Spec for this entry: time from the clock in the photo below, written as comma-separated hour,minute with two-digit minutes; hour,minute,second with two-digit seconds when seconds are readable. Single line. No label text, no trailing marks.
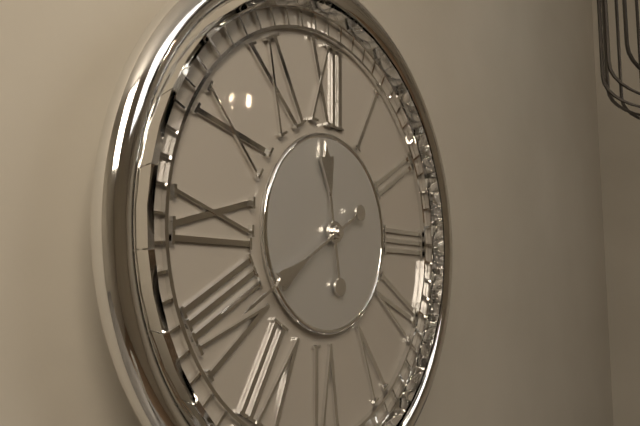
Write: 11,40
